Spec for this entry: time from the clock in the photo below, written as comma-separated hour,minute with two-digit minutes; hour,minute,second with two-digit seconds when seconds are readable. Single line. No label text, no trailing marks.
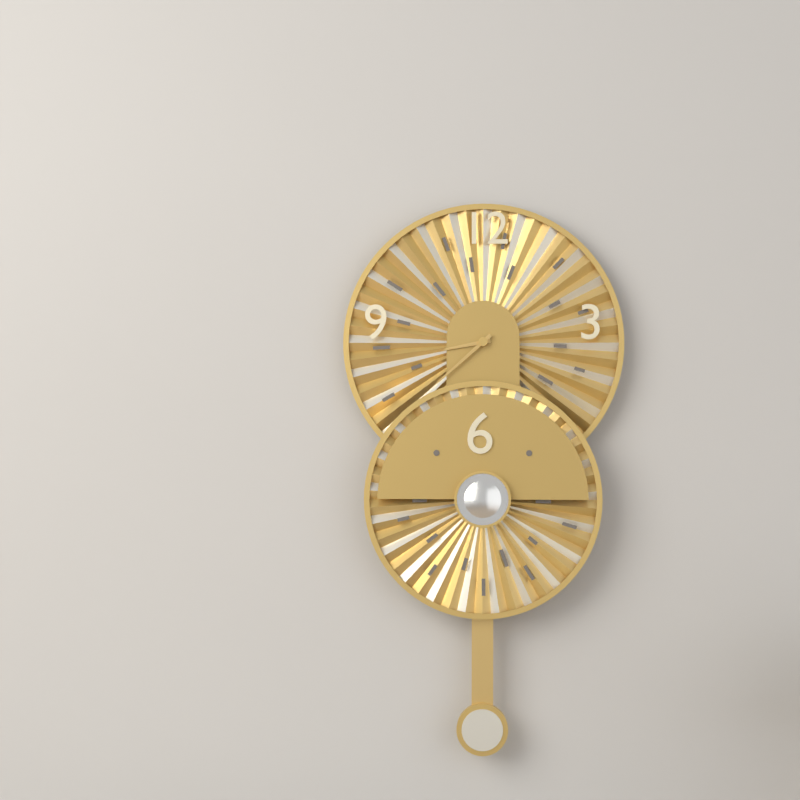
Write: 8,38
